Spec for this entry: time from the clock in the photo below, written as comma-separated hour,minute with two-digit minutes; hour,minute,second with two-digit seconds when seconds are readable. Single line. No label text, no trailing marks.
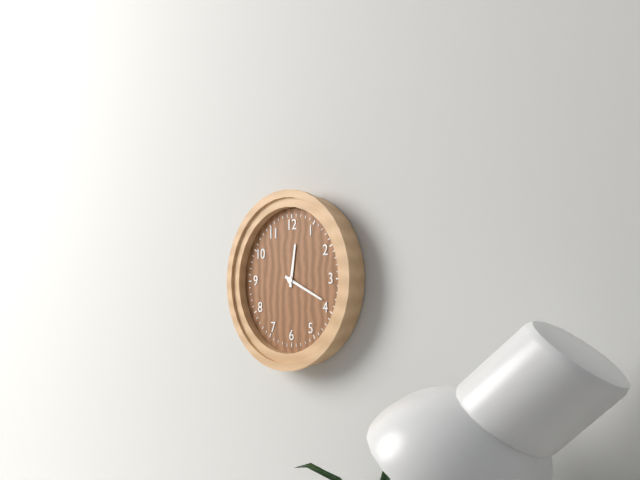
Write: 12,19
